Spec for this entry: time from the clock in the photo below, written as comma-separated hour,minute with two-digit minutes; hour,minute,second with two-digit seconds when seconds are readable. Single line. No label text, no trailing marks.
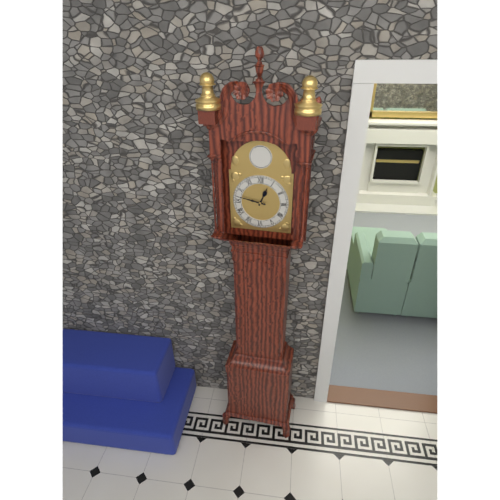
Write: 12,47
